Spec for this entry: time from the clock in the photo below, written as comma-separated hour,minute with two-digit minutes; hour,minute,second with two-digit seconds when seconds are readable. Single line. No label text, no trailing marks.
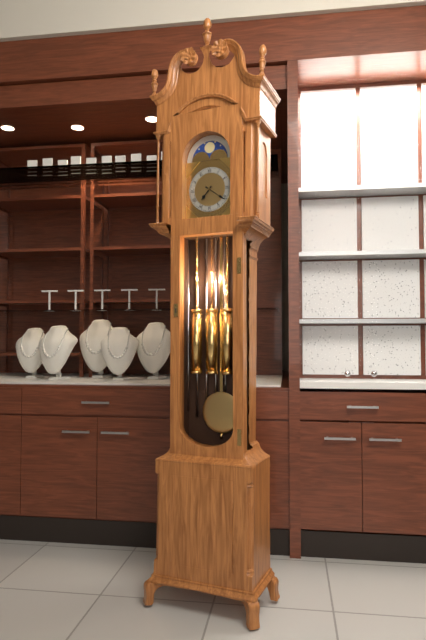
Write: 7,21
